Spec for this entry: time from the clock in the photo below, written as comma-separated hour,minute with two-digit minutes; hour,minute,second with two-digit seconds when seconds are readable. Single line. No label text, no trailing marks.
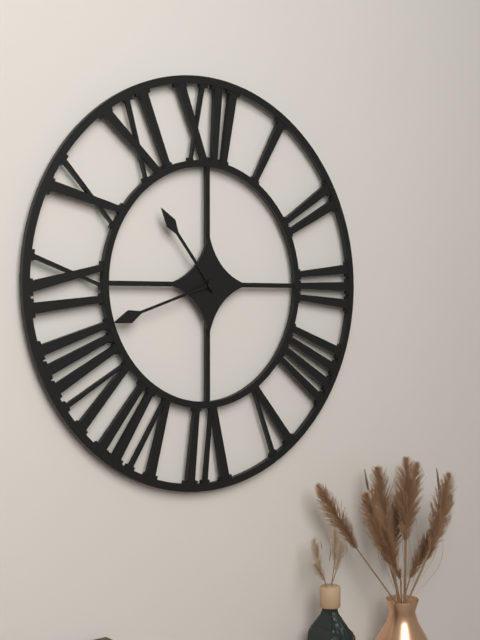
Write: 10,42
